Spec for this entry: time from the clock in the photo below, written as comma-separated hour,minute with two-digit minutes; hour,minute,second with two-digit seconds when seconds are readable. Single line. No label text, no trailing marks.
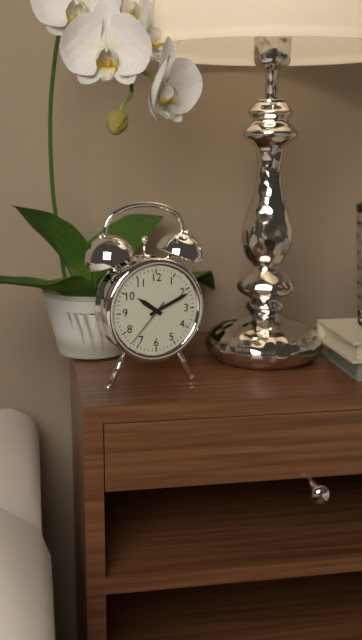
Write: 10,11,37
